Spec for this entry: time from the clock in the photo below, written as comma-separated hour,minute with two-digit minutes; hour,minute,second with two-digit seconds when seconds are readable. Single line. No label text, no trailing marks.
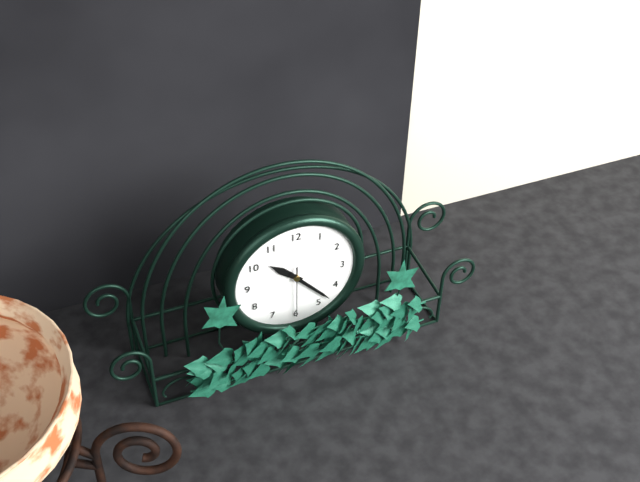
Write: 10,23
